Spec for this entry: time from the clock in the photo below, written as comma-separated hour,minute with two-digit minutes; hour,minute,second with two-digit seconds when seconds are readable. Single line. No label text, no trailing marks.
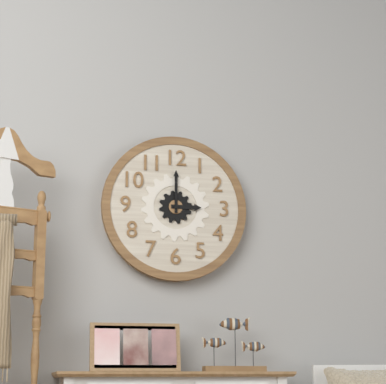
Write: 3,00
